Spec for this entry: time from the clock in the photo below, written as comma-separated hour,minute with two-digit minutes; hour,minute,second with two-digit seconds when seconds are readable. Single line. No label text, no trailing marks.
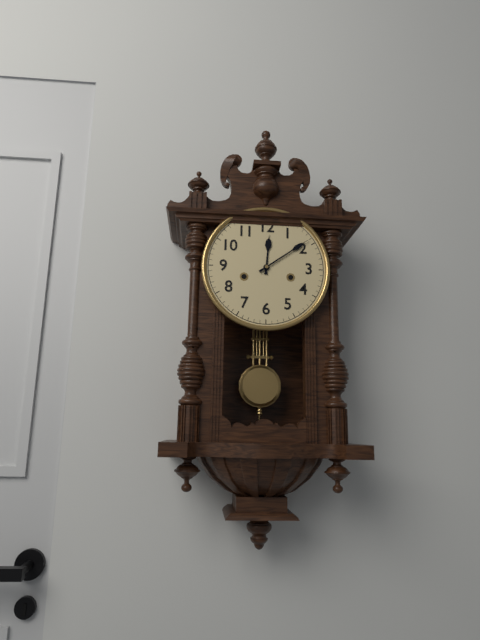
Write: 12,09
